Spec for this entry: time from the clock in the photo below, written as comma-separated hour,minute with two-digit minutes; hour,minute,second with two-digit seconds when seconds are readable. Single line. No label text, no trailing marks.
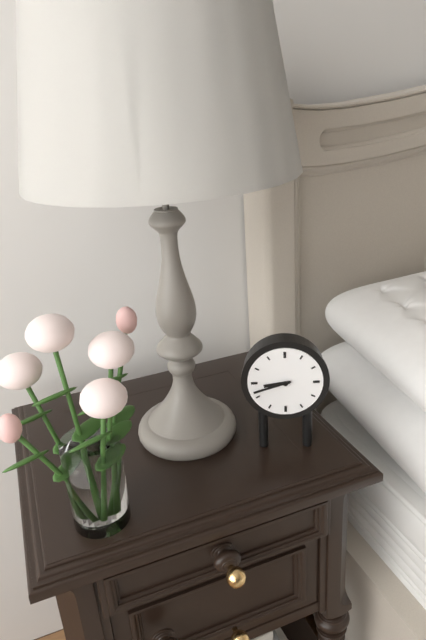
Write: 8,42
